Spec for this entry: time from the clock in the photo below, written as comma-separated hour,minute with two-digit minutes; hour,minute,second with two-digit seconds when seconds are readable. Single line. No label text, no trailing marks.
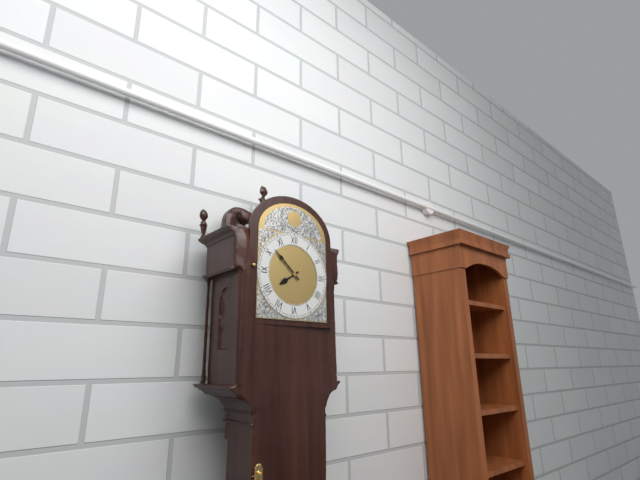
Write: 7,52
